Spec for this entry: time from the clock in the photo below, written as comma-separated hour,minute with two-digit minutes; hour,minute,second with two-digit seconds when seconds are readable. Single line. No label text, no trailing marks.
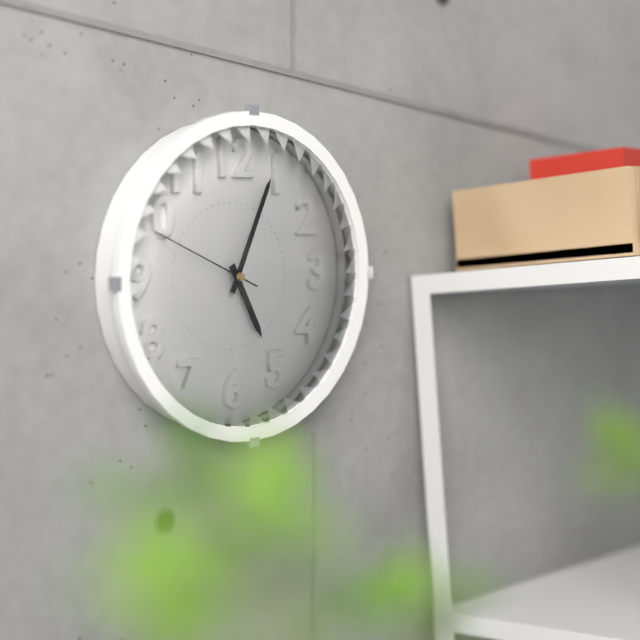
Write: 5,04,49
